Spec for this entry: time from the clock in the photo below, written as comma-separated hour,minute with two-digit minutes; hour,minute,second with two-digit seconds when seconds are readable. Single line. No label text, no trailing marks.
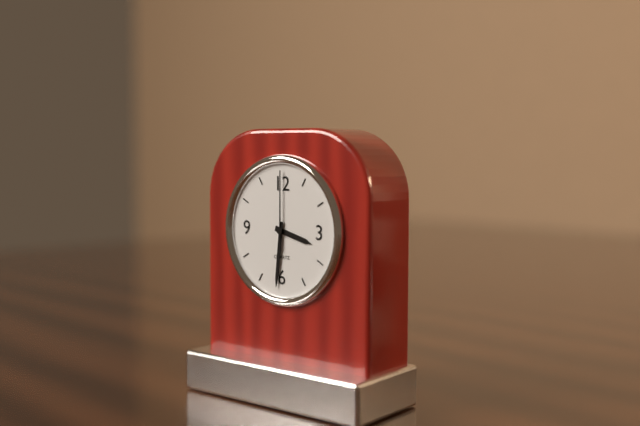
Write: 3,31,00
